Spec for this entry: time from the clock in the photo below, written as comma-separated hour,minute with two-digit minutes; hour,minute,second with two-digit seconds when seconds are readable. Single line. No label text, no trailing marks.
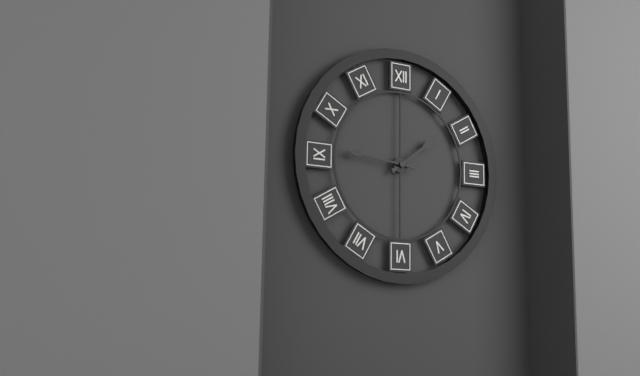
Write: 1,46
